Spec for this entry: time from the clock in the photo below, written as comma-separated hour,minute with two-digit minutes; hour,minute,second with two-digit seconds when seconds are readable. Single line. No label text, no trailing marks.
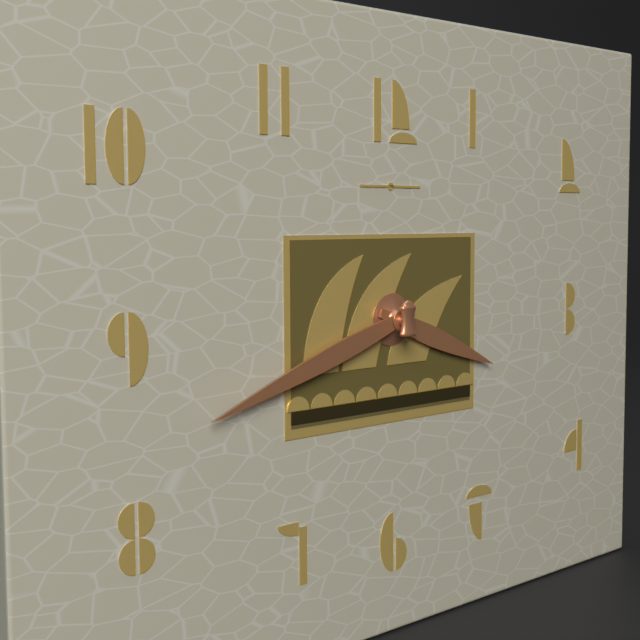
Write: 3,42
